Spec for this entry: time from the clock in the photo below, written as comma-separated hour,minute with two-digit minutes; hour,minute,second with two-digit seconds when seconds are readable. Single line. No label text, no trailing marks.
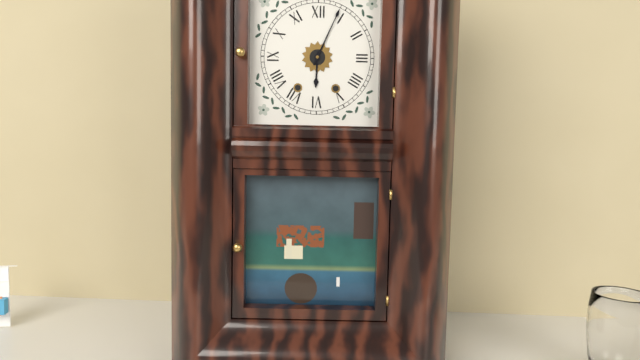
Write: 6,04
